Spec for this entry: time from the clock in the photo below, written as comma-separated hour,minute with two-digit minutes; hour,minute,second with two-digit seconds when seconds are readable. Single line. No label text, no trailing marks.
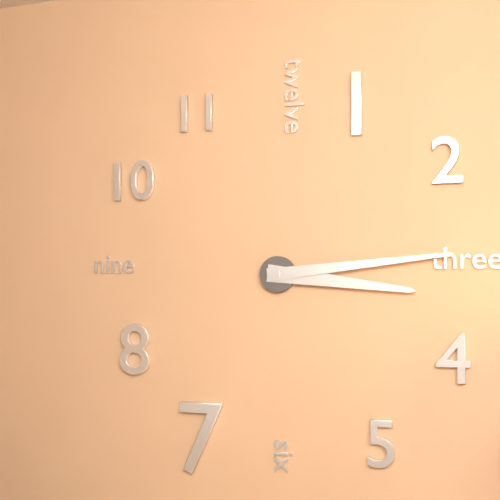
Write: 3,14
